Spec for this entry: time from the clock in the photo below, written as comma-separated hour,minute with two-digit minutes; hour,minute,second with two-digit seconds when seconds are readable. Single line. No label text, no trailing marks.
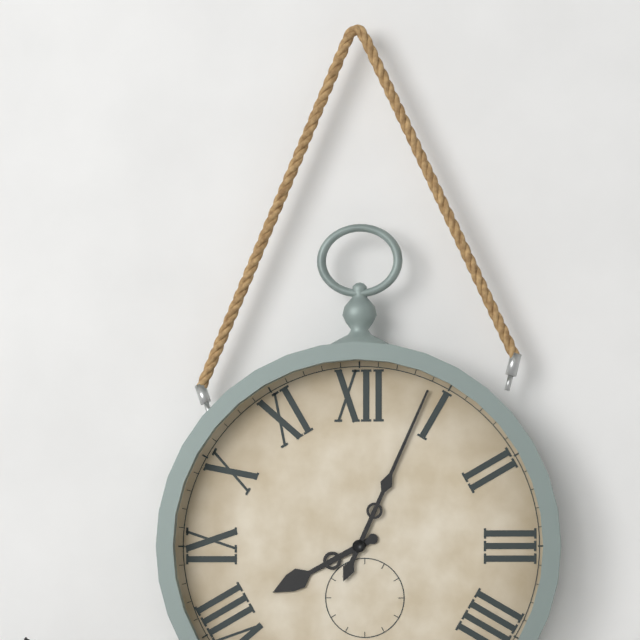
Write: 8,04
